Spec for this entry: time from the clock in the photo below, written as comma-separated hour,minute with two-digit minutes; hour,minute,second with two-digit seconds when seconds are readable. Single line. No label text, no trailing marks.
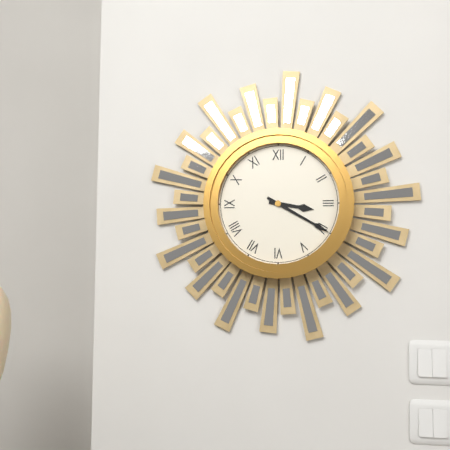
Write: 3,20
